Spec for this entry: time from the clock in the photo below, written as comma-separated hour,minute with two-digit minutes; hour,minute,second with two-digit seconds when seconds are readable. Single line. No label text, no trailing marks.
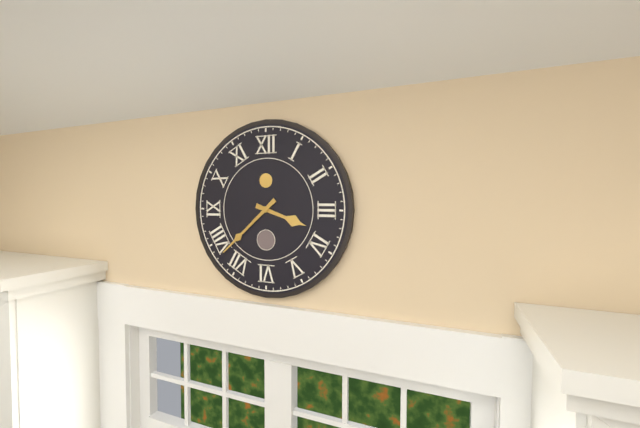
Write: 3,38
